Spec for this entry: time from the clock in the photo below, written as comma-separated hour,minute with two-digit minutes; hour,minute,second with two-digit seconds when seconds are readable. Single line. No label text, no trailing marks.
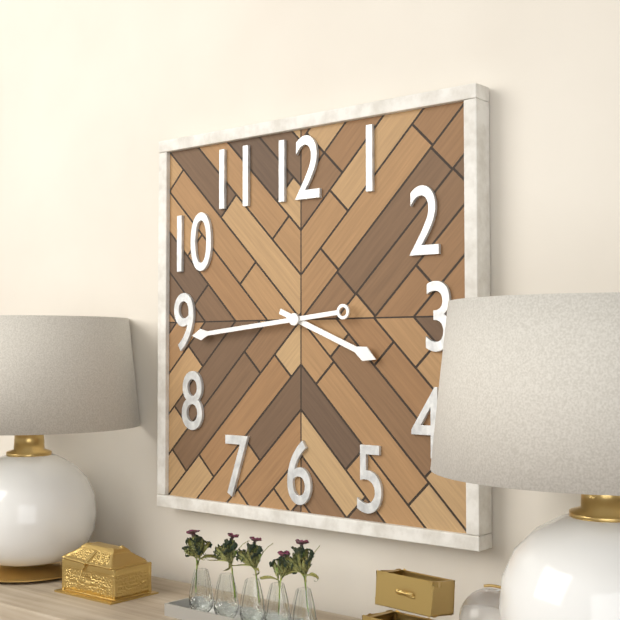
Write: 3,44
